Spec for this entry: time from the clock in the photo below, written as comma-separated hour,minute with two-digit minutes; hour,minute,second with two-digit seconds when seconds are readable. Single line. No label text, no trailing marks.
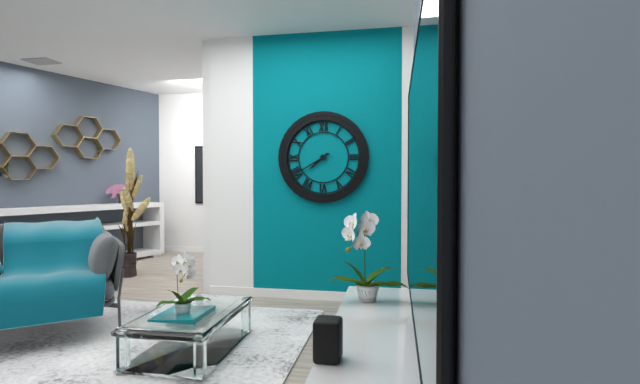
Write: 7,40
